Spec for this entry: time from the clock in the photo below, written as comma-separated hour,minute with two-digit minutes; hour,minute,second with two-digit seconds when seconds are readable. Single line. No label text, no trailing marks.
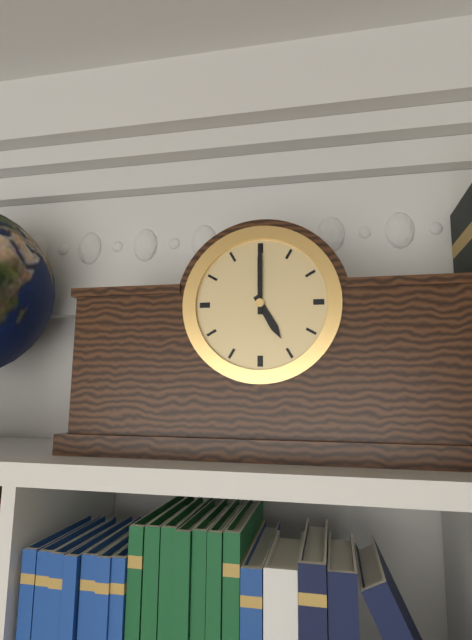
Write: 5,00
